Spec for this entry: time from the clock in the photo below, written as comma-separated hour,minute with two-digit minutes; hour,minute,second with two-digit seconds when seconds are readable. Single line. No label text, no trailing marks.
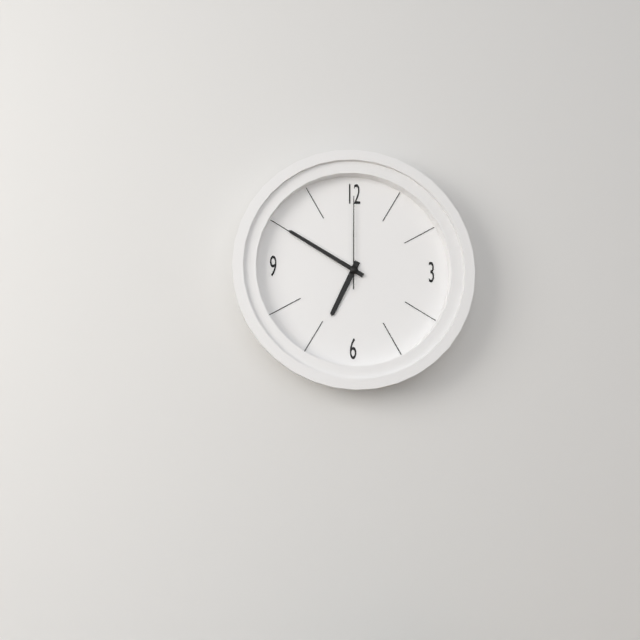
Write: 6,50,00
